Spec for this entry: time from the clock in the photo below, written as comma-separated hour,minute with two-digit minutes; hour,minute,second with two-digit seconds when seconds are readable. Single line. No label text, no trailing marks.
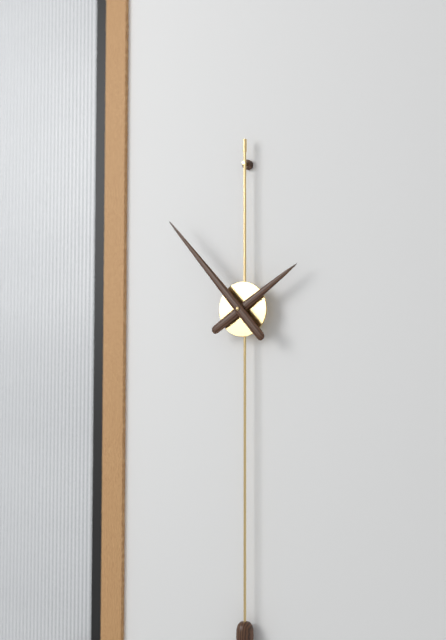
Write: 1,53
